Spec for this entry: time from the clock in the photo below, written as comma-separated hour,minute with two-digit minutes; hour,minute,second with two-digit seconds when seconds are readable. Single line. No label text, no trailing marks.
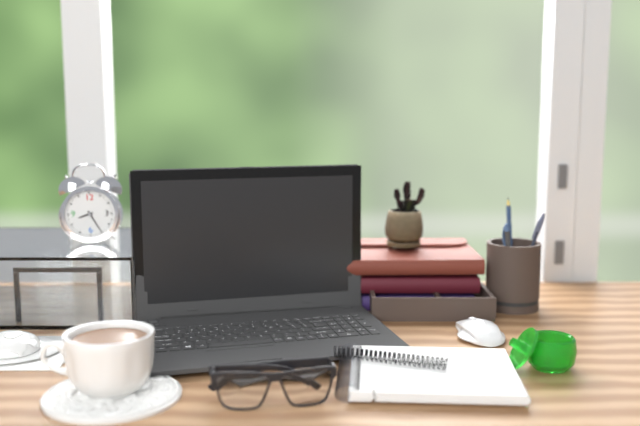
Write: 8,25
